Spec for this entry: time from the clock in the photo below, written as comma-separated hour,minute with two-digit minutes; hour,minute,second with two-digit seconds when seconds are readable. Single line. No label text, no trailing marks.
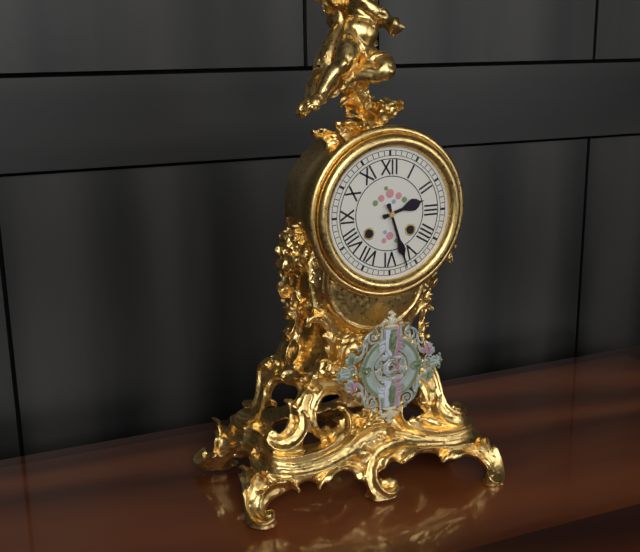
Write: 2,27
